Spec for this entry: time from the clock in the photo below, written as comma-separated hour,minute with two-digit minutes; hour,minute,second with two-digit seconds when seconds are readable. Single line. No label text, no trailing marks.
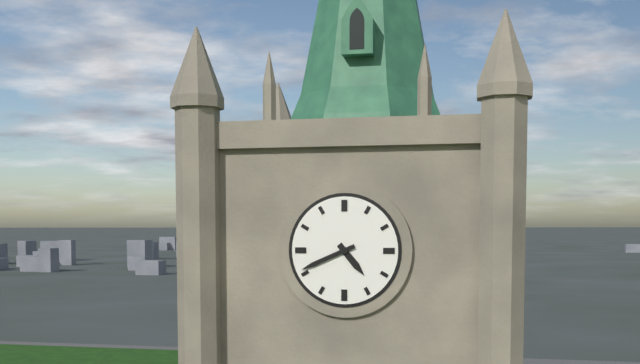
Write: 4,41
